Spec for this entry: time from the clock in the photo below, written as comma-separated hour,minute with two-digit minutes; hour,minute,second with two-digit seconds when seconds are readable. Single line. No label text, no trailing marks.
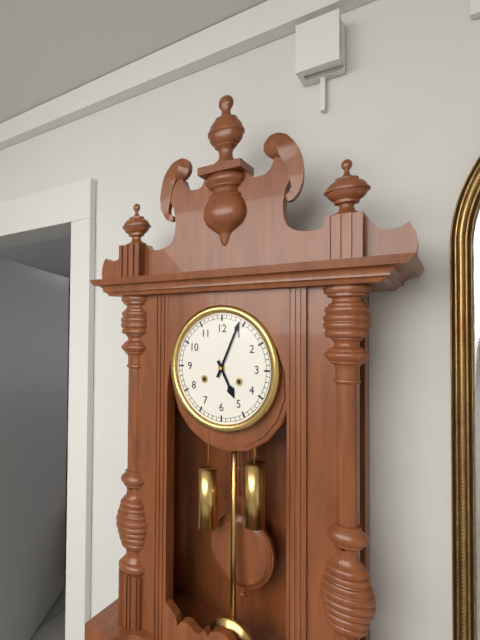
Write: 5,04
